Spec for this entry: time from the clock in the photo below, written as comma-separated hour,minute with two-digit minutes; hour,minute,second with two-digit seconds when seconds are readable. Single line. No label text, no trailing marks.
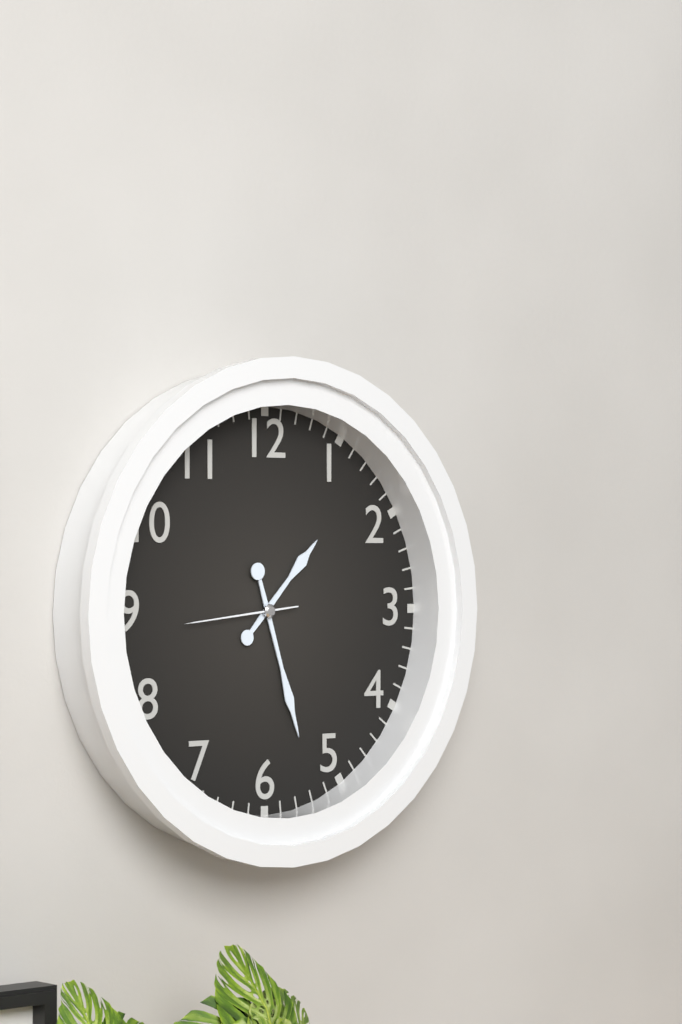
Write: 1,27,44
